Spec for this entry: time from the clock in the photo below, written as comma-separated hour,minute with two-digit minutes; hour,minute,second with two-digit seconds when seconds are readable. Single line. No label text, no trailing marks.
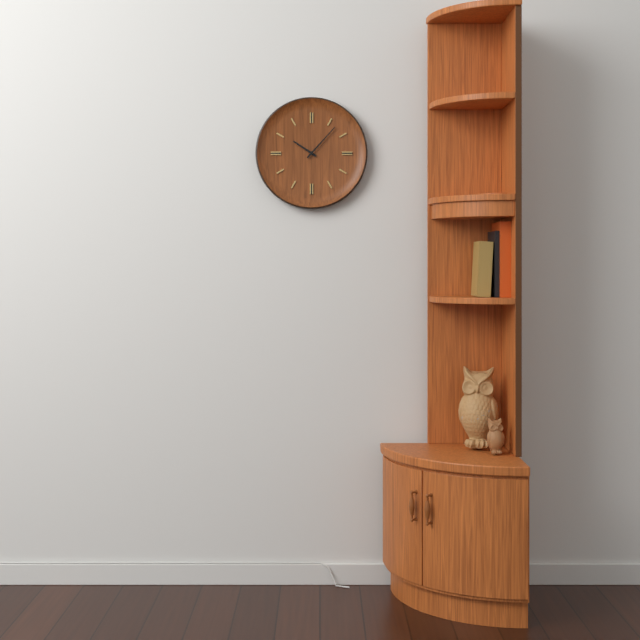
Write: 10,07
